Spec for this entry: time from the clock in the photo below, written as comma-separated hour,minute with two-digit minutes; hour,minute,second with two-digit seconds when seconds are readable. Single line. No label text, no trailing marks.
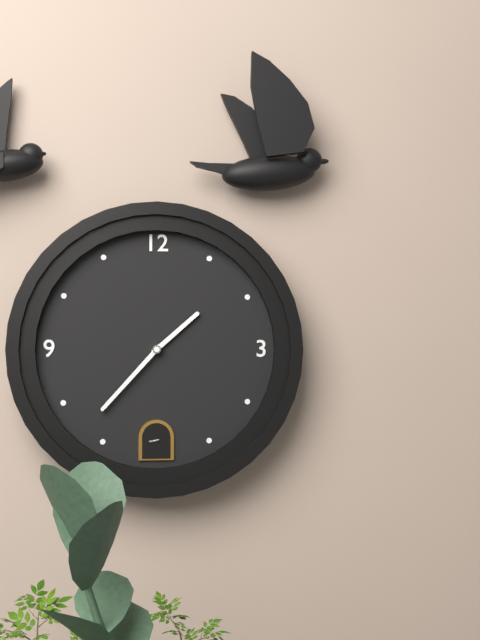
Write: 1,37
